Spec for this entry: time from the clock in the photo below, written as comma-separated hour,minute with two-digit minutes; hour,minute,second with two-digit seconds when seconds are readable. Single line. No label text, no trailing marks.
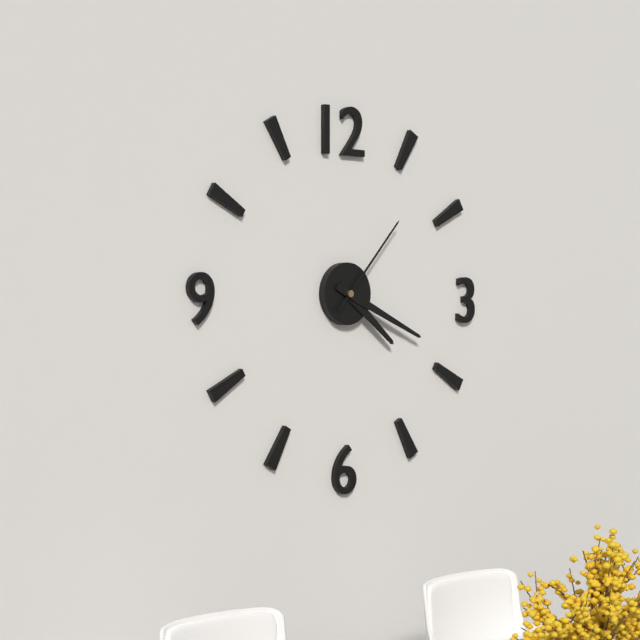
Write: 4,19,07
